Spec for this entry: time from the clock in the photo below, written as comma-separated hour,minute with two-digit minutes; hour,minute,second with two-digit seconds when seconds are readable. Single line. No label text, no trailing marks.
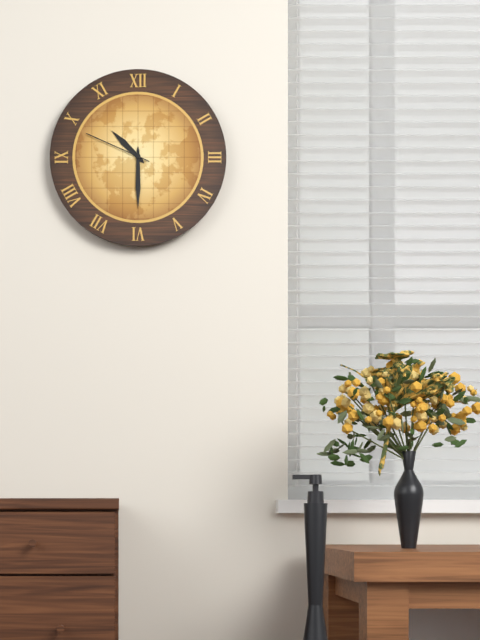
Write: 10,30,49
